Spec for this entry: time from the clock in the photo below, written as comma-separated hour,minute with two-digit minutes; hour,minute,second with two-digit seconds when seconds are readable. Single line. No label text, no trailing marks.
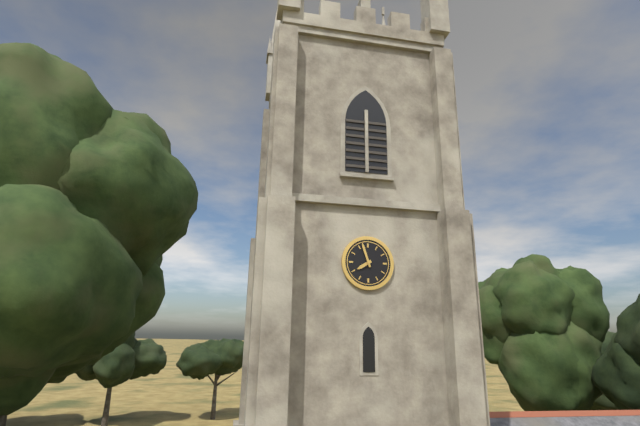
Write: 7,57
